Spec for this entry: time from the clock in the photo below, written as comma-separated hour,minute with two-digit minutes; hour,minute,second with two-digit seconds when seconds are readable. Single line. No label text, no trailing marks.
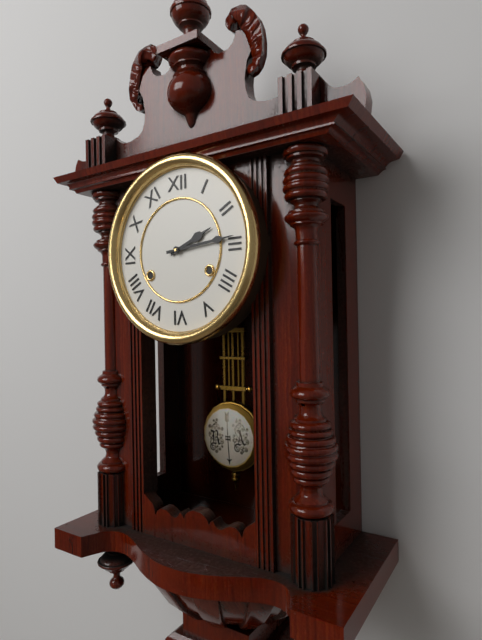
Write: 2,14
